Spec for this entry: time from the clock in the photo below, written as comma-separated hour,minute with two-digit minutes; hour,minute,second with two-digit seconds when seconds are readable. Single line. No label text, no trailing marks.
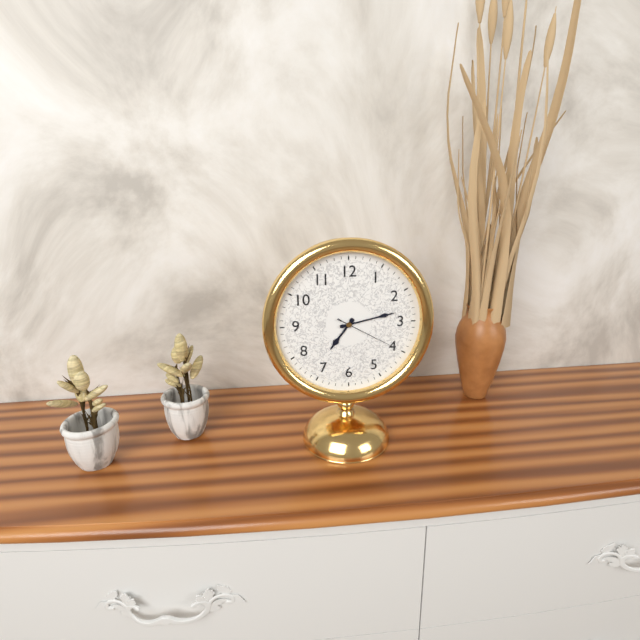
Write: 7,13,20
